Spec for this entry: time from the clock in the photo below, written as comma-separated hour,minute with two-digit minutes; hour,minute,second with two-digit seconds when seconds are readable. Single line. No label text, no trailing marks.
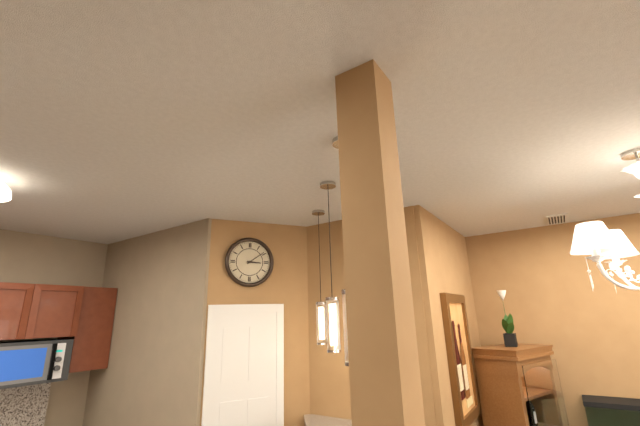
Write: 3,09
